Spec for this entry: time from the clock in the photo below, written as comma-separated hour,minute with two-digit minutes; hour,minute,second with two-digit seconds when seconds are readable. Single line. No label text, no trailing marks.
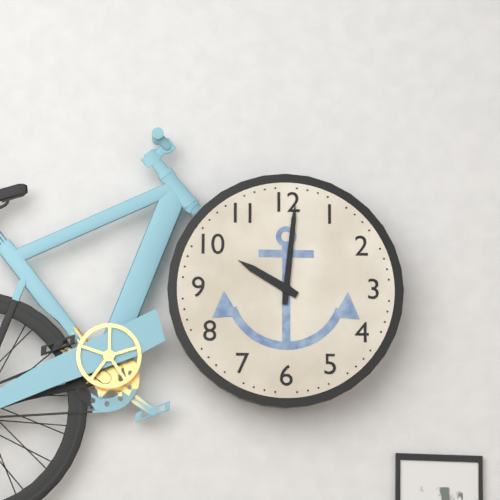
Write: 10,01
